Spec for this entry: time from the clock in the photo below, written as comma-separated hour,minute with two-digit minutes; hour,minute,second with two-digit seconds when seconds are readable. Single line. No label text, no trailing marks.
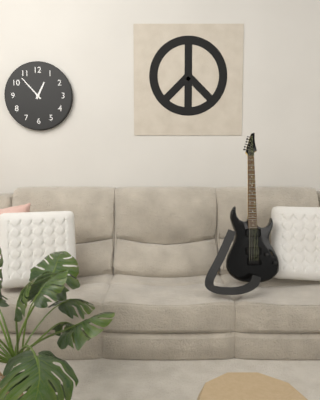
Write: 12,53
